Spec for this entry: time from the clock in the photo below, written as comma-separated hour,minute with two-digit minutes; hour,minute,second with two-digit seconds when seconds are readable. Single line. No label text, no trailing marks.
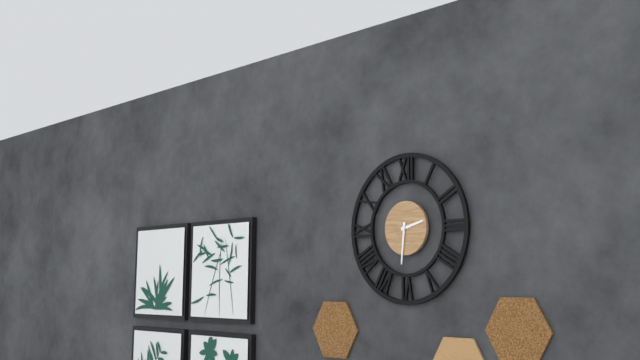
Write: 2,31
